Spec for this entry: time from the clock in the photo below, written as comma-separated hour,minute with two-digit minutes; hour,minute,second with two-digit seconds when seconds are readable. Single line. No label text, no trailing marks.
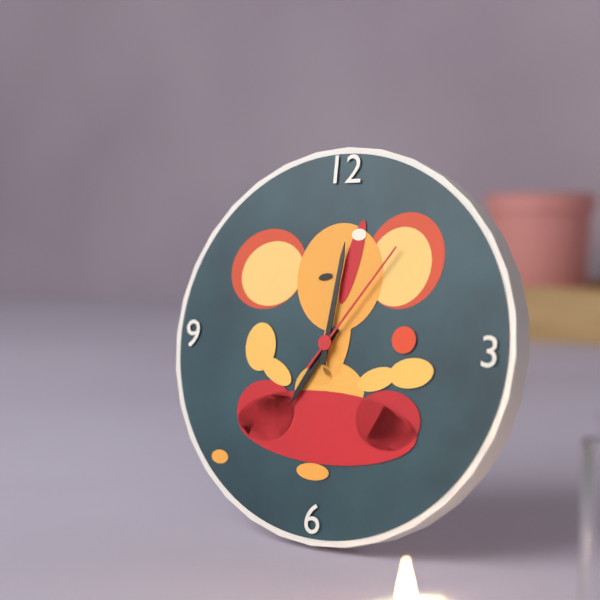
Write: 7,01,06
